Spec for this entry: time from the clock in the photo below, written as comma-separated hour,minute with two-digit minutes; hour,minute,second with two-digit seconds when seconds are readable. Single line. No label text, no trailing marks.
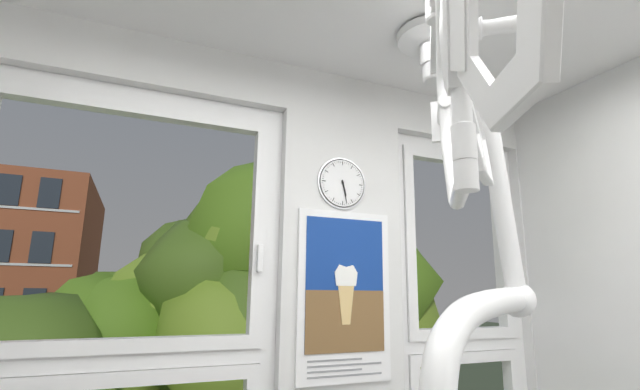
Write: 5,28
